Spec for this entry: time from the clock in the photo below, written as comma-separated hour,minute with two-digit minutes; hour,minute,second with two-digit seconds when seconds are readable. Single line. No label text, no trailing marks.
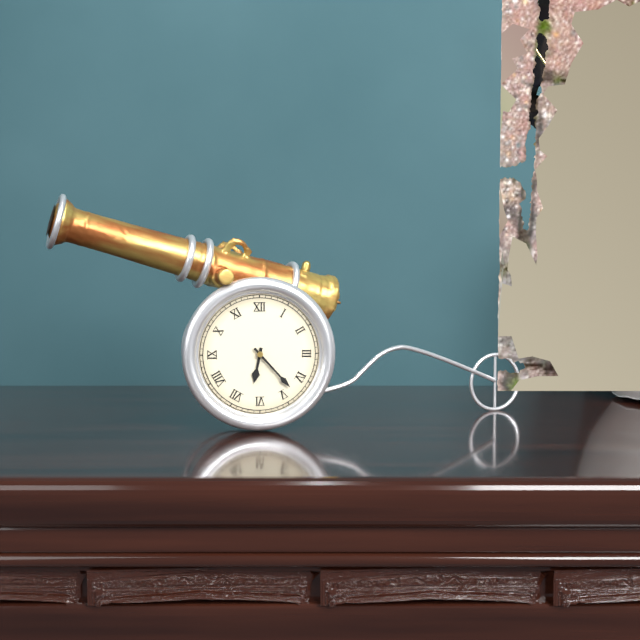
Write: 6,23
